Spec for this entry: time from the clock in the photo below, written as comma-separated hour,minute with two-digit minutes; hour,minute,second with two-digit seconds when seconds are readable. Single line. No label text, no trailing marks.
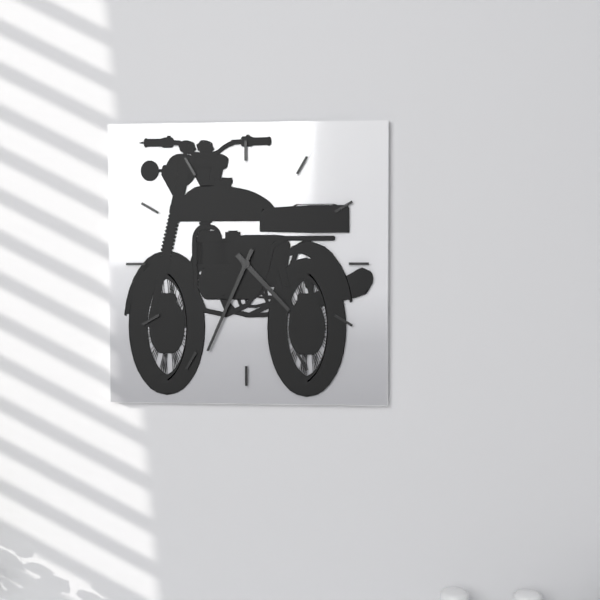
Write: 4,34
